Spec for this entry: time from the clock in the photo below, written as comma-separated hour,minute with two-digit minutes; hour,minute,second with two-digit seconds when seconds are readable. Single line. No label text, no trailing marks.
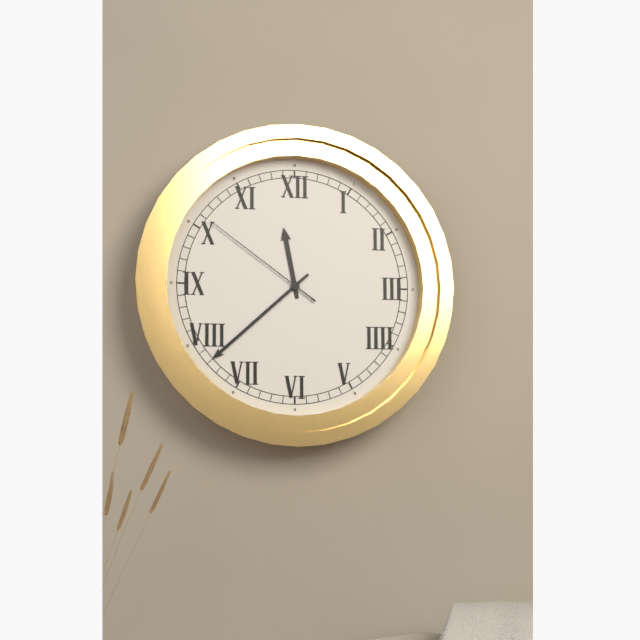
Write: 11,38,51
